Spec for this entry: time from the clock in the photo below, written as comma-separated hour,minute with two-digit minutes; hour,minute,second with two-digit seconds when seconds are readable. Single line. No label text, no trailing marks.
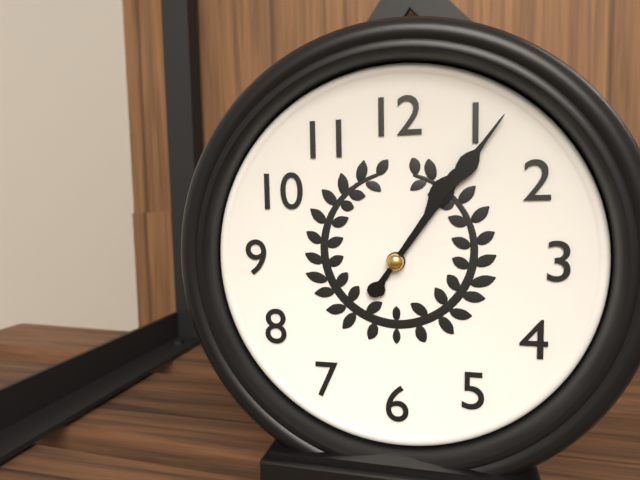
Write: 1,06
